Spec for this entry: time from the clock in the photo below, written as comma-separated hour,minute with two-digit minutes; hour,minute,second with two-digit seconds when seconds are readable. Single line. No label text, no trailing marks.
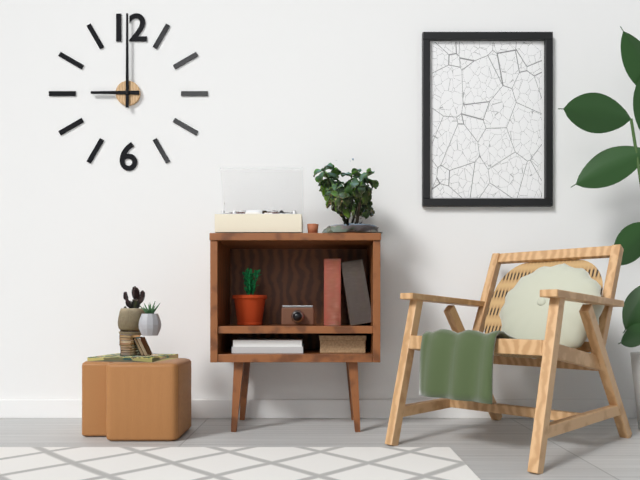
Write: 9,00
